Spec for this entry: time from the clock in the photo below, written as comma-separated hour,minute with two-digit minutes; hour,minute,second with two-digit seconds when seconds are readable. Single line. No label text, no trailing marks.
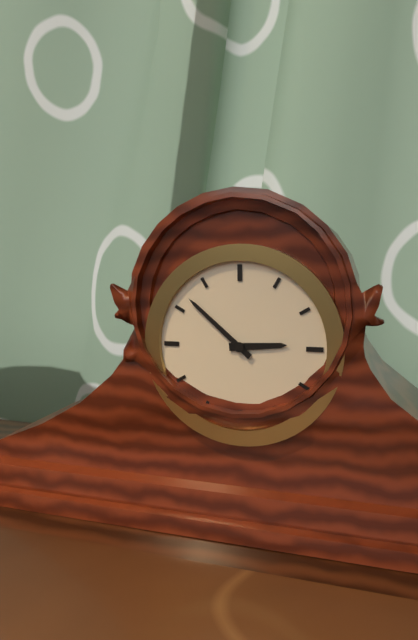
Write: 2,52
